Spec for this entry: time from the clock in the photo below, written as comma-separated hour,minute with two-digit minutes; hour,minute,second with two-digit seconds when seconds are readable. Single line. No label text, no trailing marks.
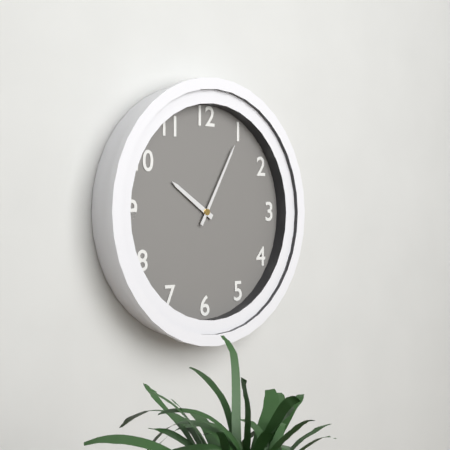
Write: 10,05
